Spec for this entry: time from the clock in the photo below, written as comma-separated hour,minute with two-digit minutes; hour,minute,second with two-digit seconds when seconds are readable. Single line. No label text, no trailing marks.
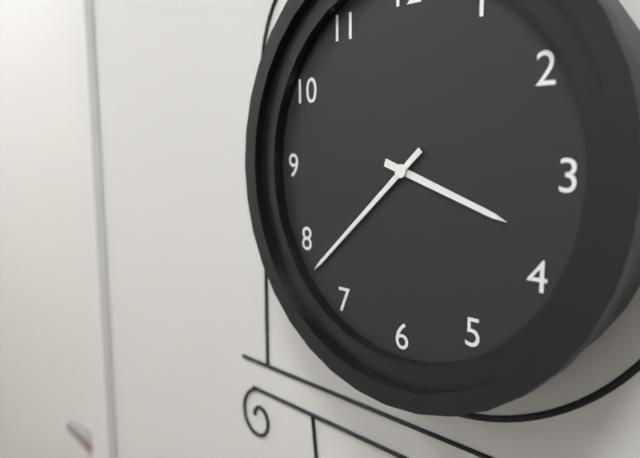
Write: 3,38
